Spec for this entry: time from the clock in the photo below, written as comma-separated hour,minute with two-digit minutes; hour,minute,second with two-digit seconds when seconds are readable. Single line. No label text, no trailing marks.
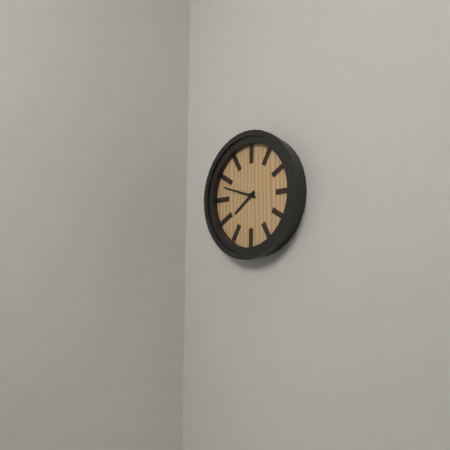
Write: 7,48
